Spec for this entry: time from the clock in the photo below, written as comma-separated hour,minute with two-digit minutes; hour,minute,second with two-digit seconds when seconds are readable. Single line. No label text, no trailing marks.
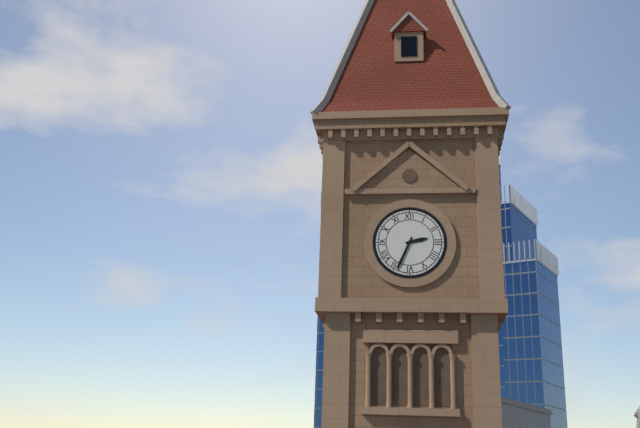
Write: 2,34
